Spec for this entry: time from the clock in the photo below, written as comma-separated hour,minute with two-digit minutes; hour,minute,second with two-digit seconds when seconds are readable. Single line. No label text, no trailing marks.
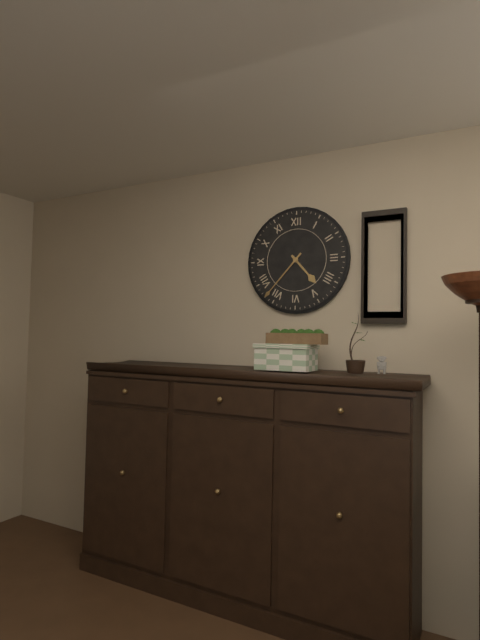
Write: 4,37
